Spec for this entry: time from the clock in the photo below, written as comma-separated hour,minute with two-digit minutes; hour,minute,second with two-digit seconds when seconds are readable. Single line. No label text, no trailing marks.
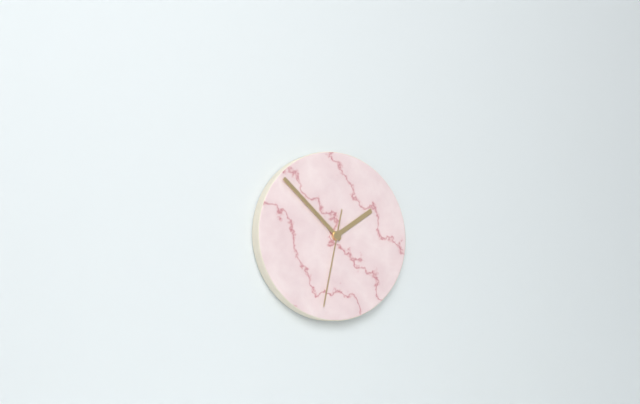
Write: 1,52,32
